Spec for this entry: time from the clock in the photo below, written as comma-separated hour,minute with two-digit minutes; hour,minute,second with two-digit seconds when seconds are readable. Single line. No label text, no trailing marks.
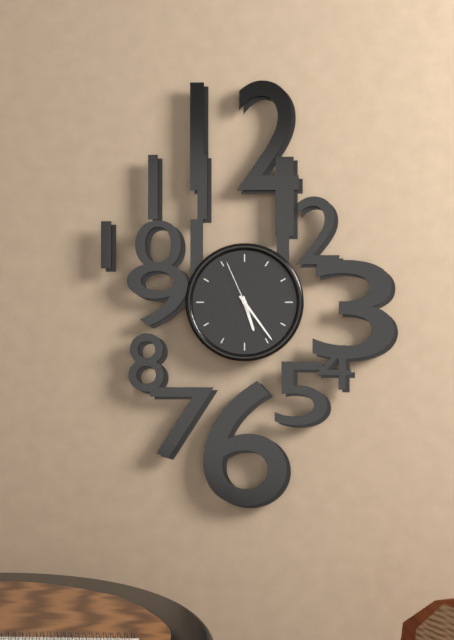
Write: 5,24,56
